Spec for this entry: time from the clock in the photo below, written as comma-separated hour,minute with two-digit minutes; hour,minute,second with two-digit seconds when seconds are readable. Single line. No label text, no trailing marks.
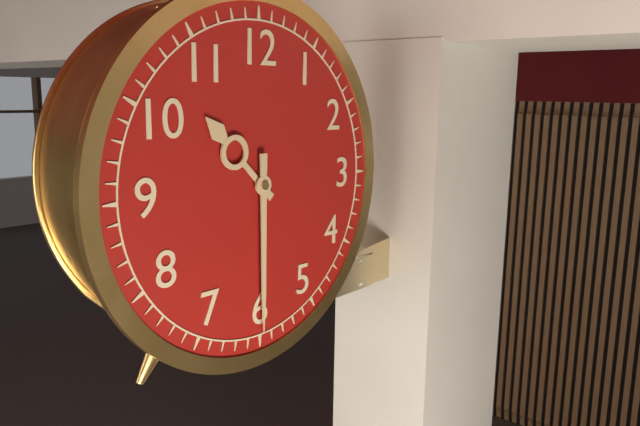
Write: 10,30
